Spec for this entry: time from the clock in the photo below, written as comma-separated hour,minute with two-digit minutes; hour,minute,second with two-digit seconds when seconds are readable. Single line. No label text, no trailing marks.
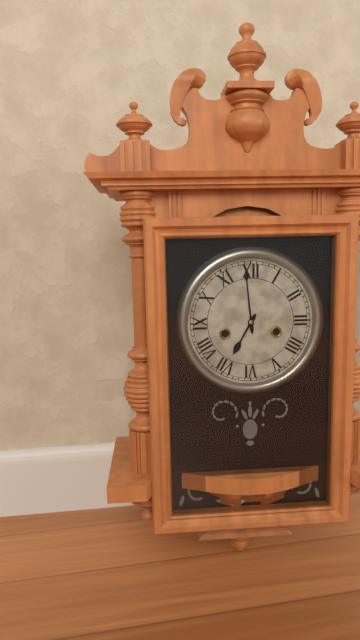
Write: 6,59
